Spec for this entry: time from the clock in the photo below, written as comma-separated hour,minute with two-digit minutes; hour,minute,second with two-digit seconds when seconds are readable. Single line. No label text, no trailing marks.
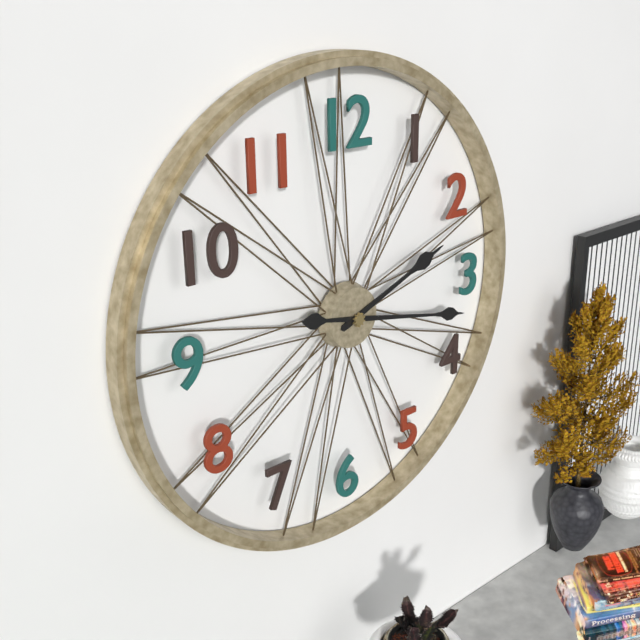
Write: 2,17
